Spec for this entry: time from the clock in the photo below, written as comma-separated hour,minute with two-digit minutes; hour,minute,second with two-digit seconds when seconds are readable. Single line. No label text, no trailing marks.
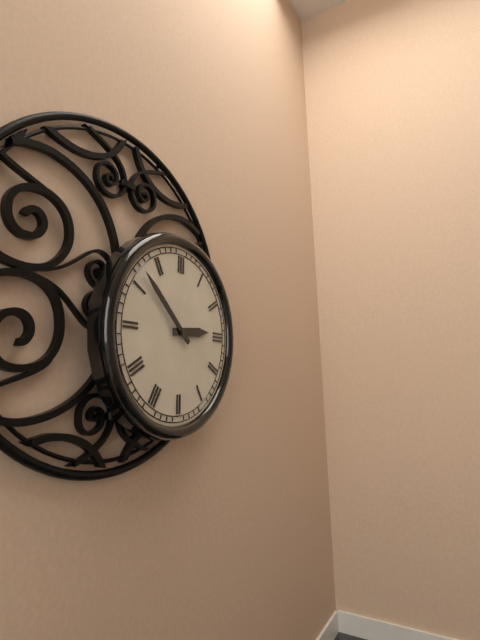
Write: 2,52
